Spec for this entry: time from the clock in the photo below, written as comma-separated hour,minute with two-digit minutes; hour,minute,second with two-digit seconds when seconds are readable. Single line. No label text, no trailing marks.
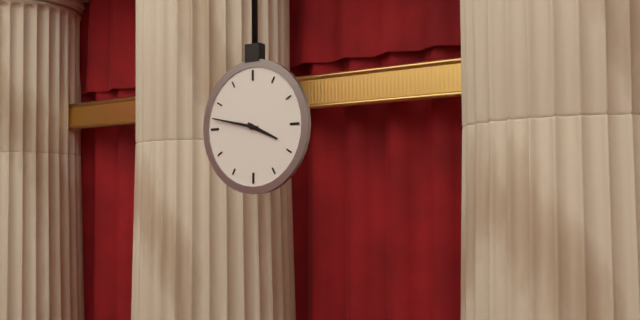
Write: 3,47
